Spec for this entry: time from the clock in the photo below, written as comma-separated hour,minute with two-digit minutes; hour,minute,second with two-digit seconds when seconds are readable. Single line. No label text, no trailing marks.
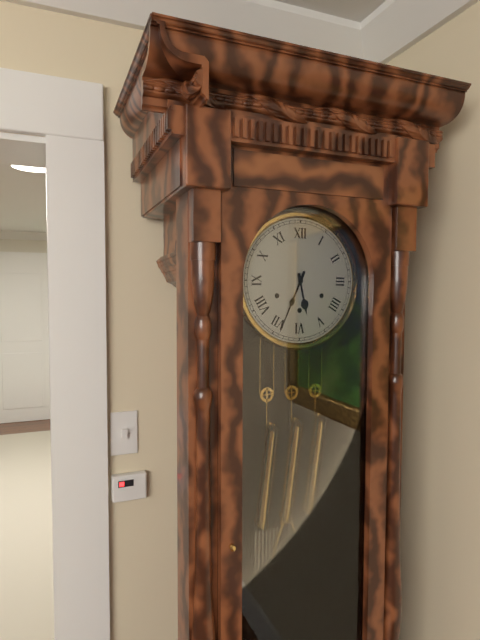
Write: 5,34
